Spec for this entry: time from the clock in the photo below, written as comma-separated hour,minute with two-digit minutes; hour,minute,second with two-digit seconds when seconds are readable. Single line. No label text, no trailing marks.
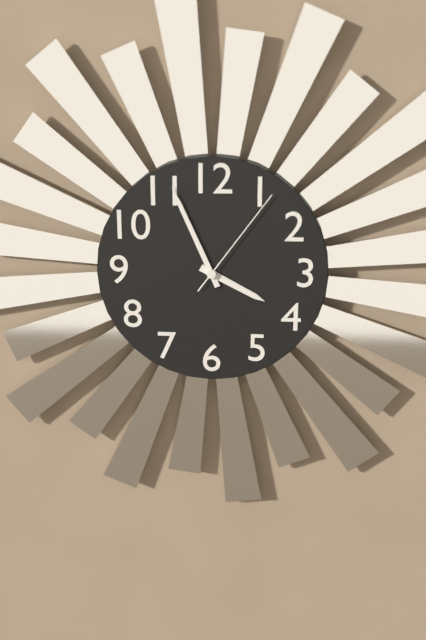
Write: 3,56,06
